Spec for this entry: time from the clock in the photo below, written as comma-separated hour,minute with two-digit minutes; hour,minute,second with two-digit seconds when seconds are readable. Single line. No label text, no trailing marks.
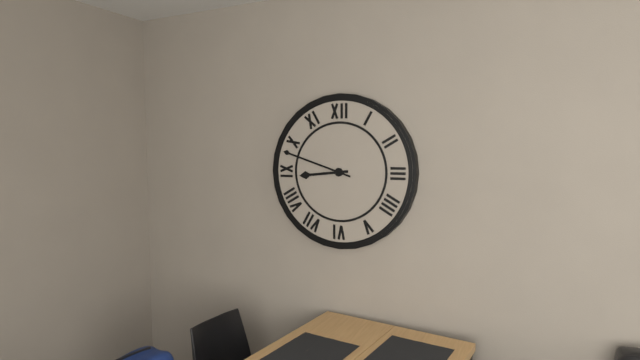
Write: 8,48
